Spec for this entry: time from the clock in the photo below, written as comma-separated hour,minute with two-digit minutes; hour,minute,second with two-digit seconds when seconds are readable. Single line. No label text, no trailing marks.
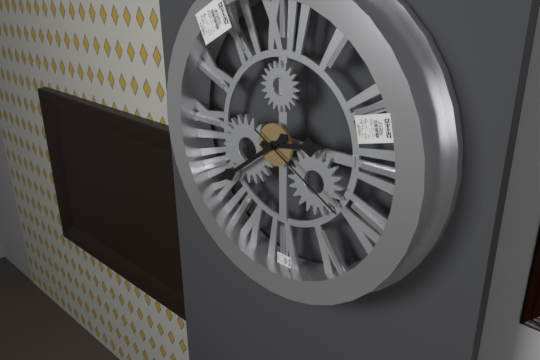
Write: 2,39,20
